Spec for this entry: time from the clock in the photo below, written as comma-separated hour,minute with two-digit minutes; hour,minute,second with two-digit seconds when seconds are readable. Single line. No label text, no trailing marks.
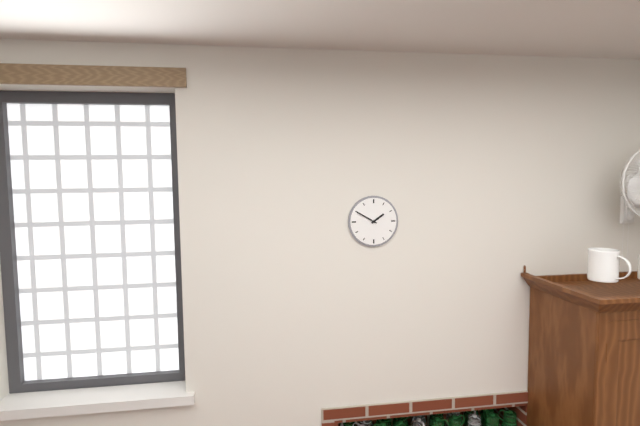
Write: 1,50
